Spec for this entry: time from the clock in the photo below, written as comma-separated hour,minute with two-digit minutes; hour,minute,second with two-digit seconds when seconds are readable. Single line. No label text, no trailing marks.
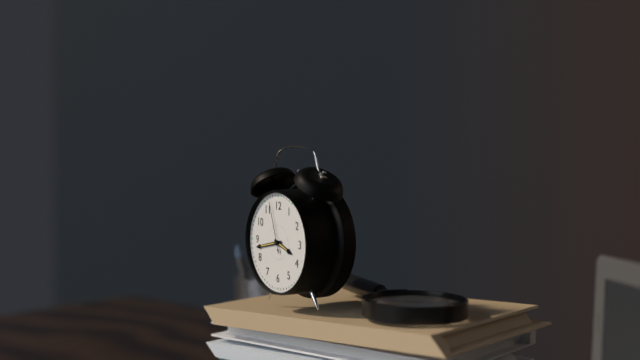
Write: 3,43,57
